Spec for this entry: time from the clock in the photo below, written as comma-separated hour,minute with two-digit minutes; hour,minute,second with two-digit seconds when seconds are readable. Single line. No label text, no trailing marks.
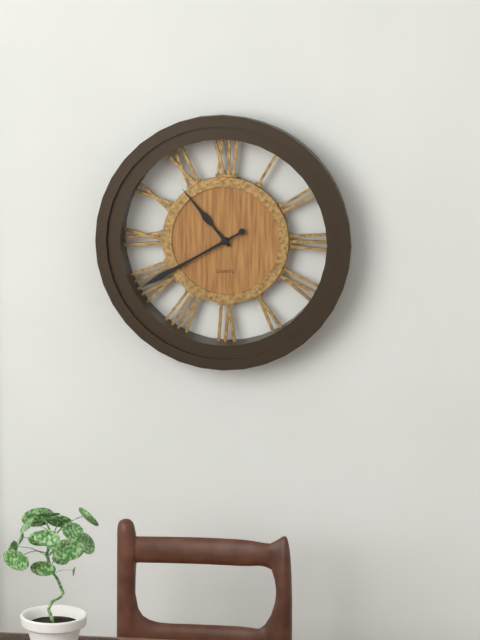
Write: 10,40
